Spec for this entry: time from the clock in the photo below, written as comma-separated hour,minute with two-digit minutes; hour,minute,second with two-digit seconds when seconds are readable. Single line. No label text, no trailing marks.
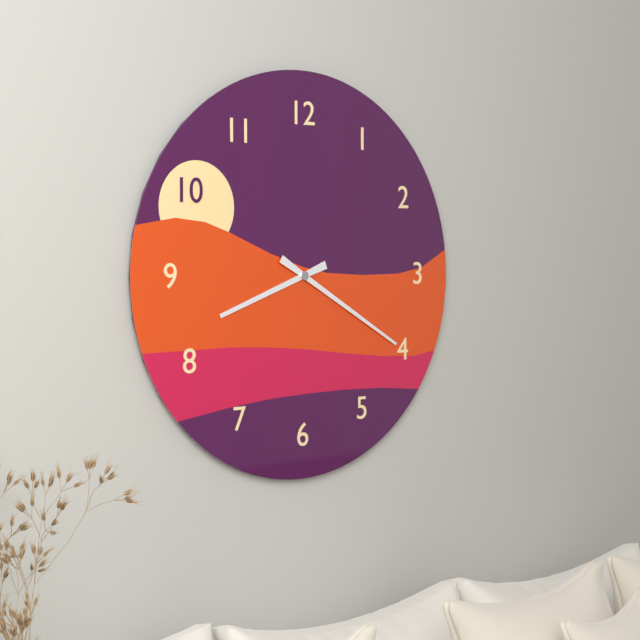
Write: 8,20
